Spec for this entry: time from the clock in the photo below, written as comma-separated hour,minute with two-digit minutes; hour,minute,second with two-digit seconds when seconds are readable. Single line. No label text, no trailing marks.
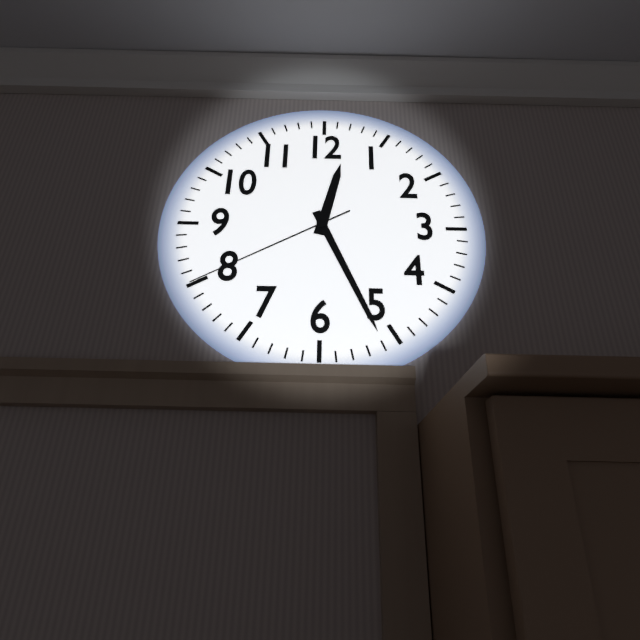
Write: 12,26,40
